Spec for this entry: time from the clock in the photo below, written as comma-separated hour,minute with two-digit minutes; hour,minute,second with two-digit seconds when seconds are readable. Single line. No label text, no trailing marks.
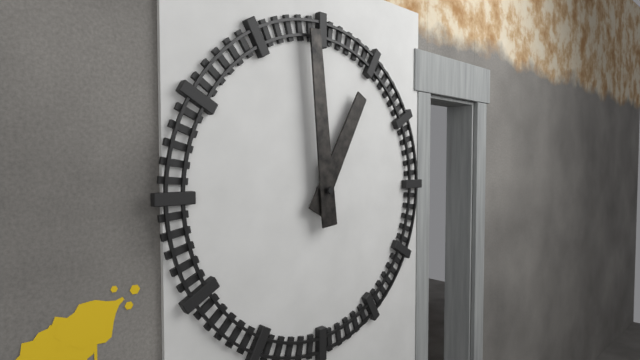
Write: 12,59
